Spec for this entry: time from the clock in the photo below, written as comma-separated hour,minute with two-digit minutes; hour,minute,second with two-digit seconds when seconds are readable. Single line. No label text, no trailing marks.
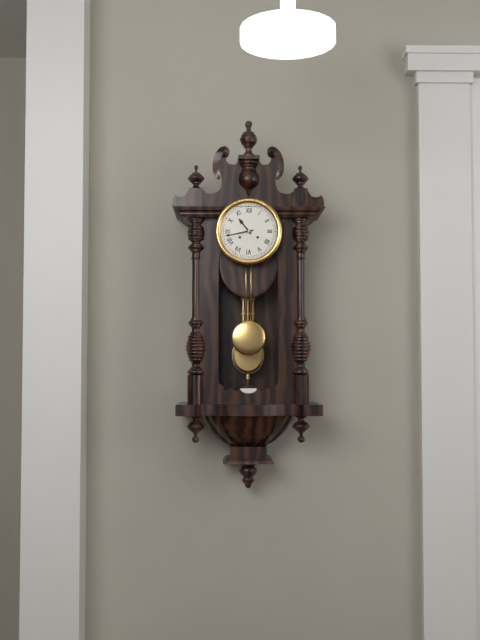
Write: 10,43
